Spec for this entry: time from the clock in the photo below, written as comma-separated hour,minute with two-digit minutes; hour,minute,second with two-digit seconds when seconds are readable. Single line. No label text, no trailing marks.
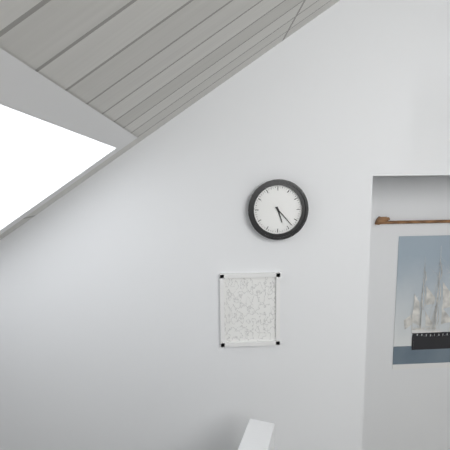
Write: 5,23
